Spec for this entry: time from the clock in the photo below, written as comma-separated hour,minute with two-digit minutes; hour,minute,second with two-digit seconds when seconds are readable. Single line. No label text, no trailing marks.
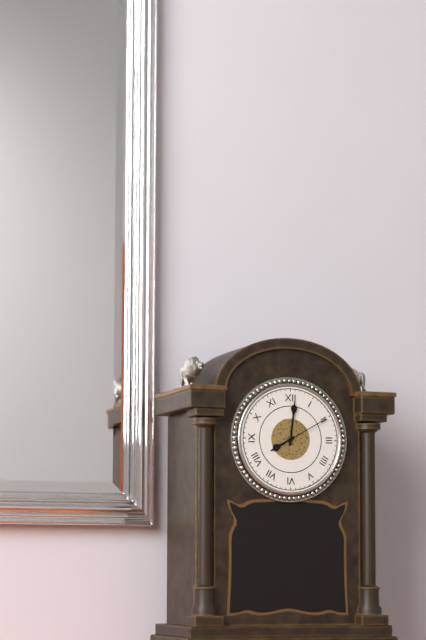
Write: 8,01,10
